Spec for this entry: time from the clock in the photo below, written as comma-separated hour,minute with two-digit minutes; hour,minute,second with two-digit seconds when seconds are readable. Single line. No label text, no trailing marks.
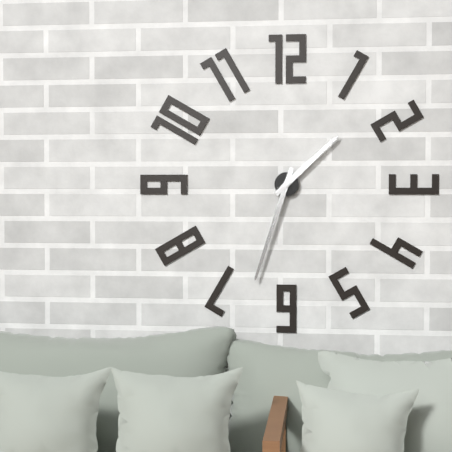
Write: 1,33
